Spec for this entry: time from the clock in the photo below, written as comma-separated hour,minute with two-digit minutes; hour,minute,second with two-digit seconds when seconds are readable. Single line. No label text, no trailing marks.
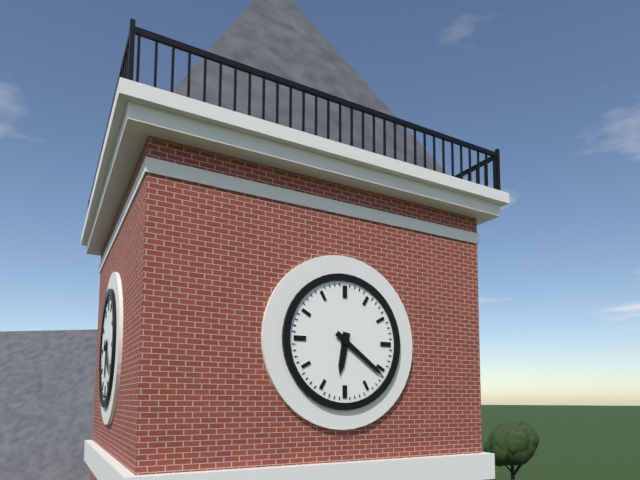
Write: 6,21
